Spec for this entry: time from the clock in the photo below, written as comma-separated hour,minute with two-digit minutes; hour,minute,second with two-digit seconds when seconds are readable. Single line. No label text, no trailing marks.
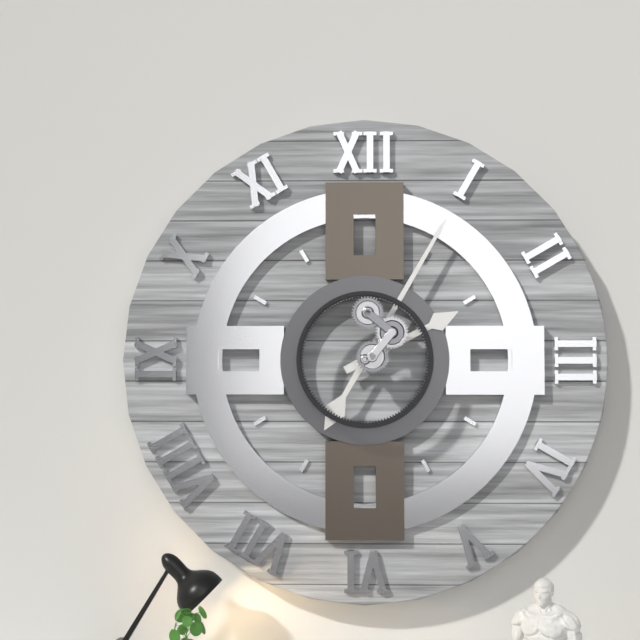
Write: 2,05
